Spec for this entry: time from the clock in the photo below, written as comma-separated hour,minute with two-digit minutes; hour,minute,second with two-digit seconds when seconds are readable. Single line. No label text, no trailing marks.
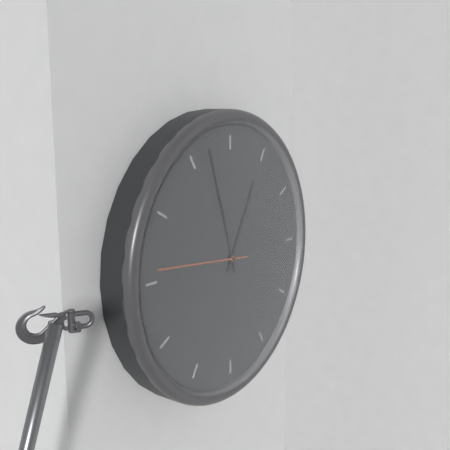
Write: 12,57,46
